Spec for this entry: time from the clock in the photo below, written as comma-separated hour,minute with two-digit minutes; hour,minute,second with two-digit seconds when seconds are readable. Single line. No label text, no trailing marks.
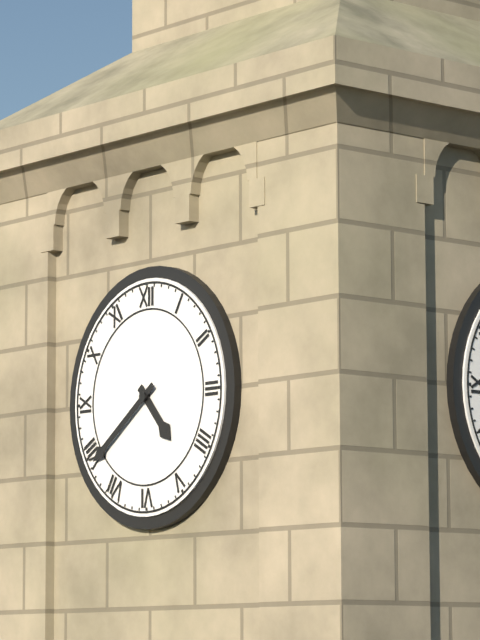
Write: 4,39
